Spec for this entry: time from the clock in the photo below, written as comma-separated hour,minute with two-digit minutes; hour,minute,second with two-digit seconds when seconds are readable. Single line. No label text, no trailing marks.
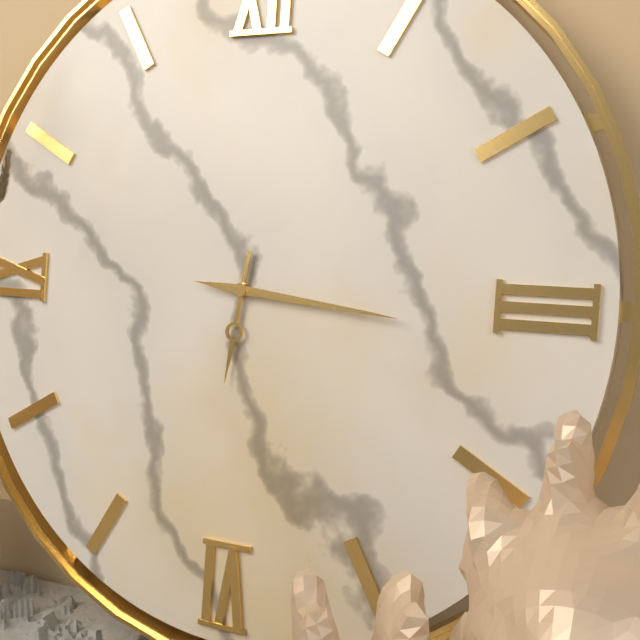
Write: 6,16
